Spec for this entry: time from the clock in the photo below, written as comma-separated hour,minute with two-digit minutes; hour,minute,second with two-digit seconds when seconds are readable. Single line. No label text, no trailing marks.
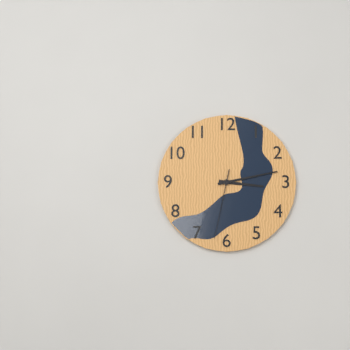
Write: 3,13,32
